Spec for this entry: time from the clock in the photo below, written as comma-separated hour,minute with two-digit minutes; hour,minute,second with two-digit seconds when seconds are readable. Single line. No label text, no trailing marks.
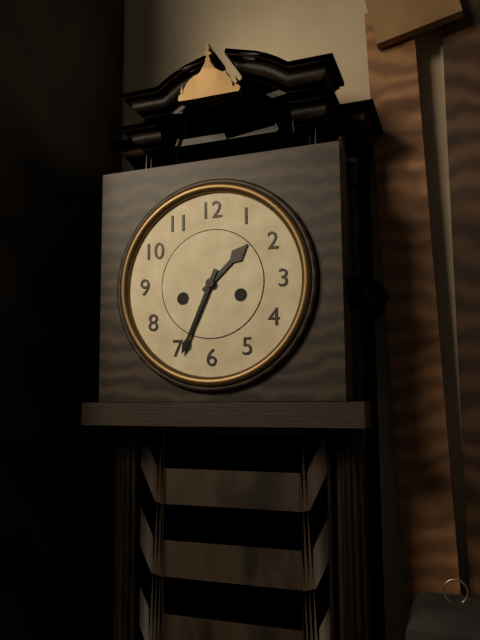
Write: 1,34
